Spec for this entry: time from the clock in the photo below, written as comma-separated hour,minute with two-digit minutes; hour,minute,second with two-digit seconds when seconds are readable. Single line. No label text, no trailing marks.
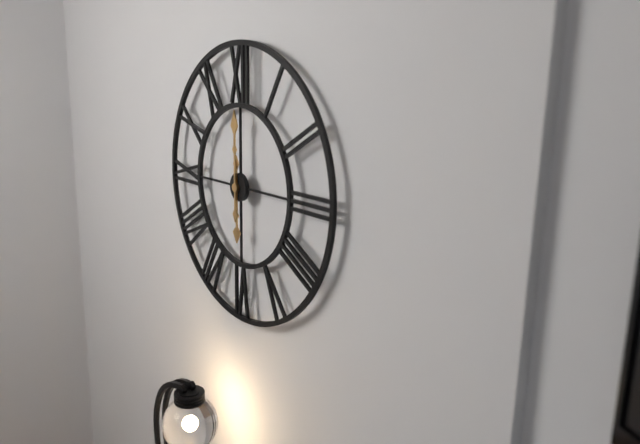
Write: 6,00
